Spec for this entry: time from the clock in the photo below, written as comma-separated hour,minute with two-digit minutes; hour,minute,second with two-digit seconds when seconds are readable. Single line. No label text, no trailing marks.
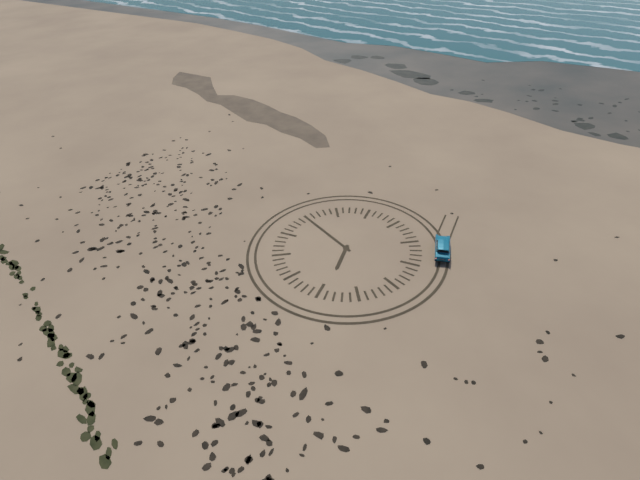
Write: 5,50
